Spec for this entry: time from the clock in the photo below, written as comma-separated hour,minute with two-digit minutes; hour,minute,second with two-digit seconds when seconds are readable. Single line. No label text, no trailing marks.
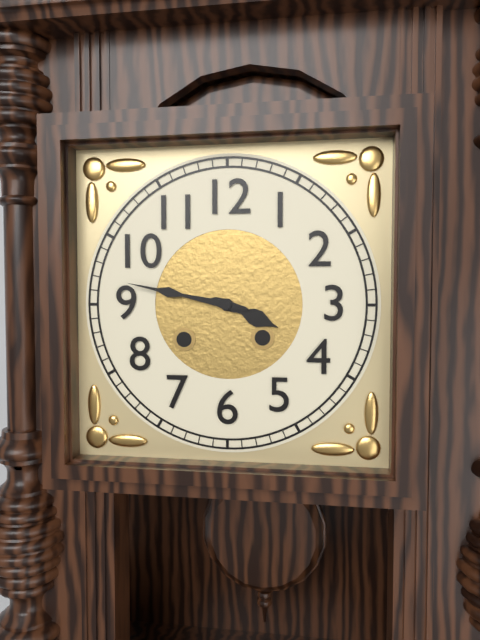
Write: 3,47
